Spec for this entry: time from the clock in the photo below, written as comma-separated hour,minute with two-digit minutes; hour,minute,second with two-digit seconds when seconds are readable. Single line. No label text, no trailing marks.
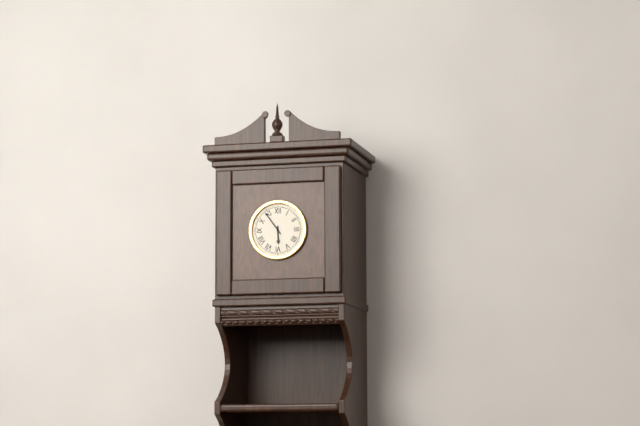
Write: 5,54
